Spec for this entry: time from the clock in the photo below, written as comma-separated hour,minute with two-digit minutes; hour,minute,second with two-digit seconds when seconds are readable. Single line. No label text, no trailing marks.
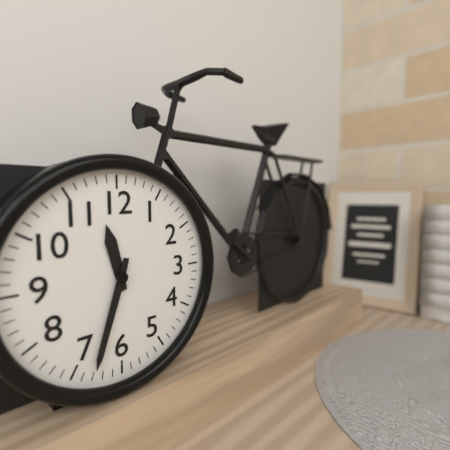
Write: 11,33
